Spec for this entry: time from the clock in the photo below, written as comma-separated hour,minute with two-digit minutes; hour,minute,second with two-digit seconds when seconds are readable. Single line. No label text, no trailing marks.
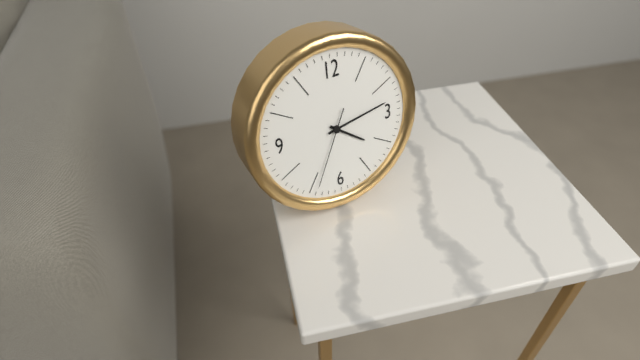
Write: 4,13,34
